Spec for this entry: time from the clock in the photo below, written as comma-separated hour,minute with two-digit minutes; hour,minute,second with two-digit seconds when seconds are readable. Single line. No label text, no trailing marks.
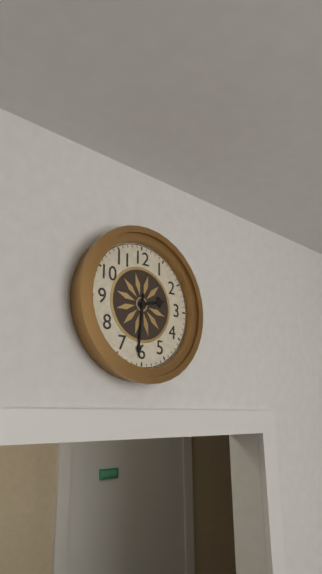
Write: 2,31
